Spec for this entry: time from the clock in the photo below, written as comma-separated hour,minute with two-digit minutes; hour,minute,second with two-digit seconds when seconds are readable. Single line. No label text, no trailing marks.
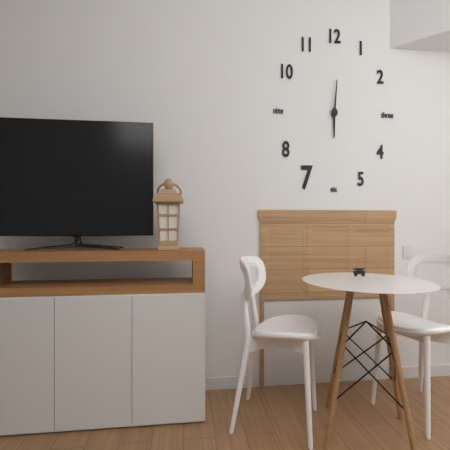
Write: 6,01
